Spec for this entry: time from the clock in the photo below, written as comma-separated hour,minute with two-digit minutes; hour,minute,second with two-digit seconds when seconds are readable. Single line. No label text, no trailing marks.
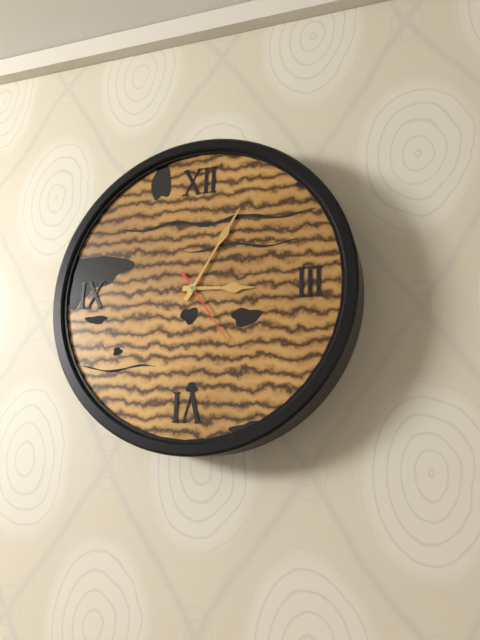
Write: 3,05,24
